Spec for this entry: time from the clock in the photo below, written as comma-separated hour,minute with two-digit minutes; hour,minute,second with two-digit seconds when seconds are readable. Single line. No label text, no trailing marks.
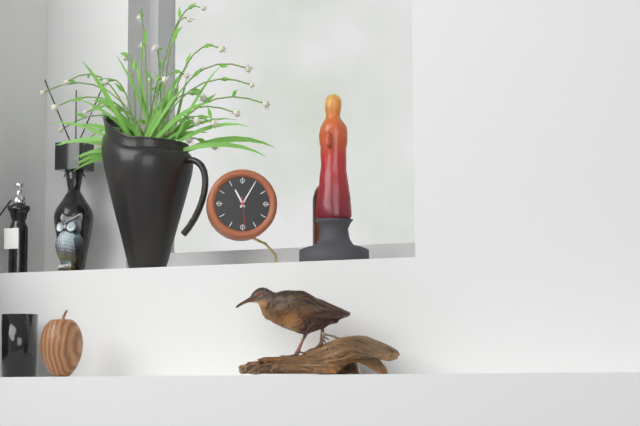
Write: 11,05
